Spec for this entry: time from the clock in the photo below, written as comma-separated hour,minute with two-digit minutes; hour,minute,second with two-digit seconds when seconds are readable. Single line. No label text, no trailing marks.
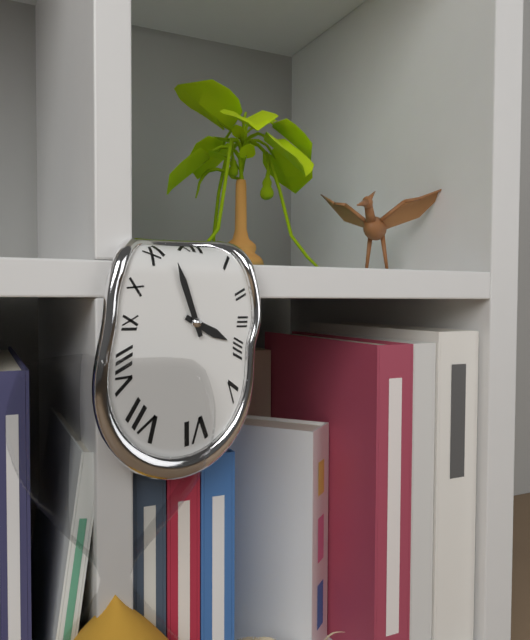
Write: 3,57
